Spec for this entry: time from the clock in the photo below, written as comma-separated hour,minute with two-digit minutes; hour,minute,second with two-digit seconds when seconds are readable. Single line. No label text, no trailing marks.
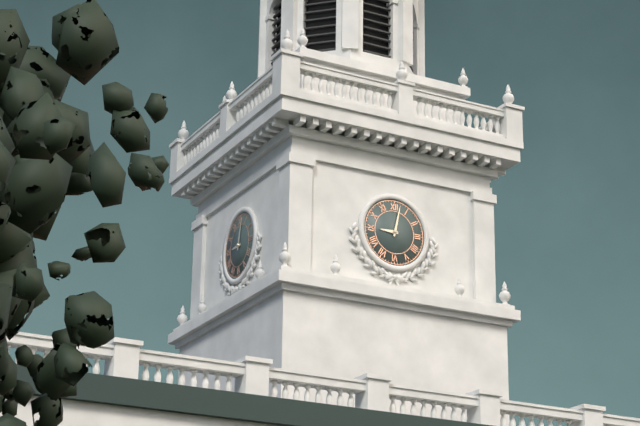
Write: 9,02
